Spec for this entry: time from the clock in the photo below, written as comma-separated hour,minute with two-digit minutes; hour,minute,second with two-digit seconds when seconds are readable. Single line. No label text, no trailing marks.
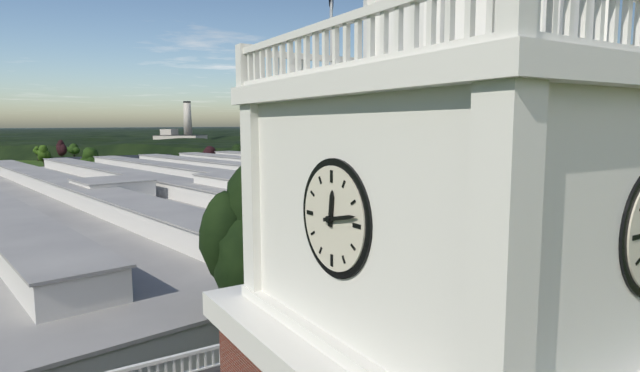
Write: 12,13
